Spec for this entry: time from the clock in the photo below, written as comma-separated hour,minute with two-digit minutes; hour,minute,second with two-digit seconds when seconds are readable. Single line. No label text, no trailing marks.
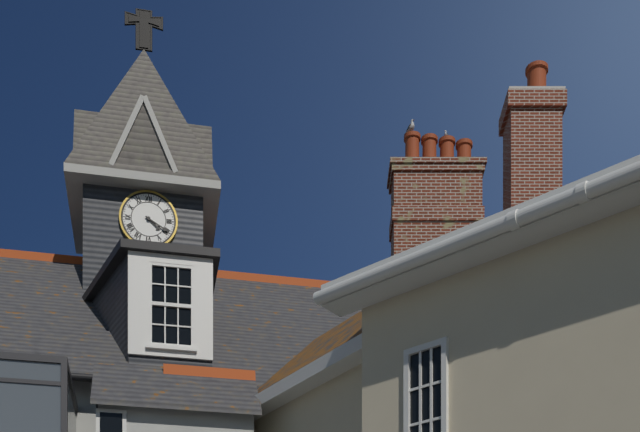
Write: 4,20
